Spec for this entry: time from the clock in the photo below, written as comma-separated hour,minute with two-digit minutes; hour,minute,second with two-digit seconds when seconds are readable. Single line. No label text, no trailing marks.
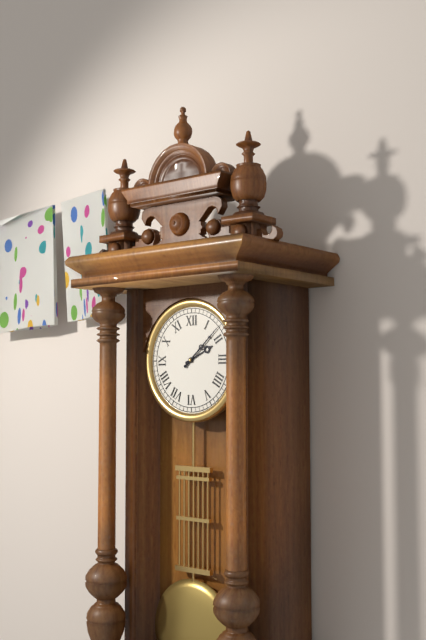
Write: 2,08
